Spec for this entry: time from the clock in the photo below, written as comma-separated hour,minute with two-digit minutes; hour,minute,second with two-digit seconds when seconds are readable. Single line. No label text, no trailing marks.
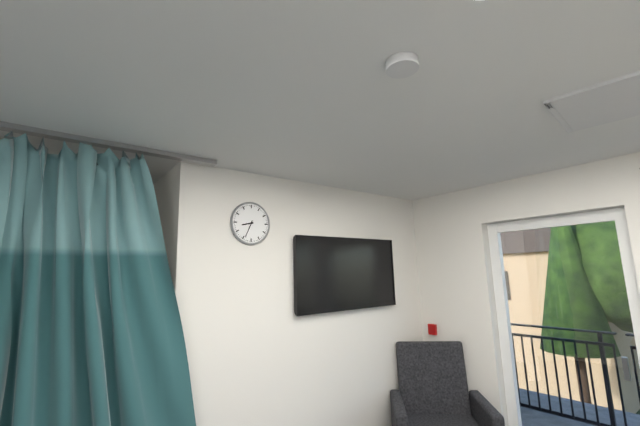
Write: 8,34
